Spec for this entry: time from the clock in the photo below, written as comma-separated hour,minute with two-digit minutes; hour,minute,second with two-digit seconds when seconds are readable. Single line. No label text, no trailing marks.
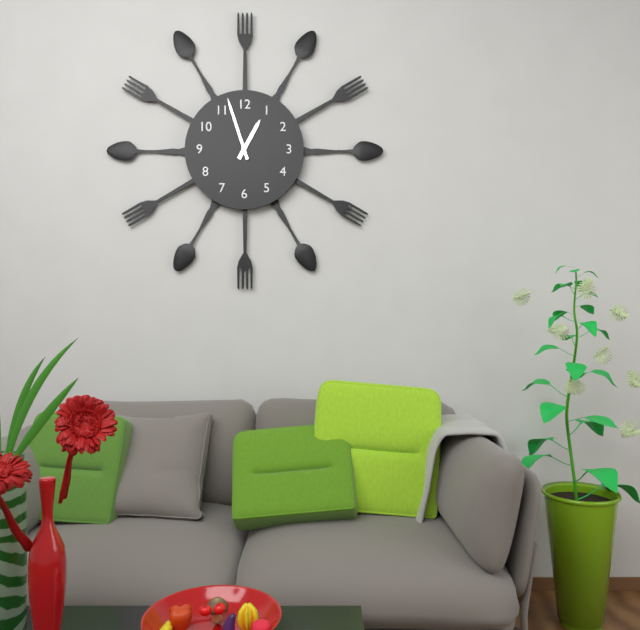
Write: 12,57
